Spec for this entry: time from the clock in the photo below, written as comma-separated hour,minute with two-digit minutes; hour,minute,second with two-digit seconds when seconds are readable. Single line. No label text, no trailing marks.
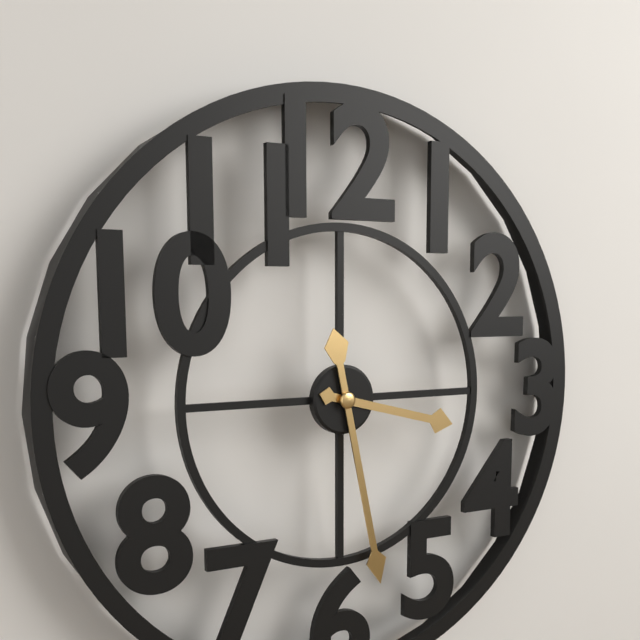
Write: 3,28
